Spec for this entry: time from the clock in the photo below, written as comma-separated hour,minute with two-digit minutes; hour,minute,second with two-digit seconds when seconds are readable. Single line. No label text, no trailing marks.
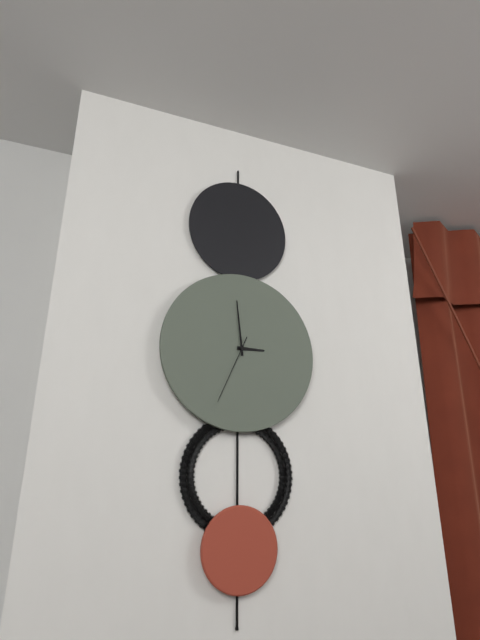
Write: 2,59,34
